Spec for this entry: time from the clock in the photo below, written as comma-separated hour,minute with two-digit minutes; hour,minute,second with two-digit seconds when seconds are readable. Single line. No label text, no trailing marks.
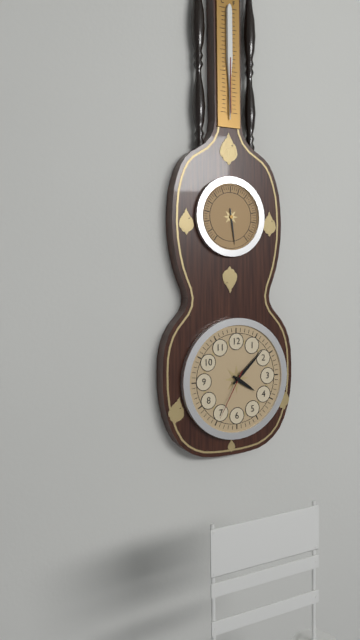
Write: 4,08,35
